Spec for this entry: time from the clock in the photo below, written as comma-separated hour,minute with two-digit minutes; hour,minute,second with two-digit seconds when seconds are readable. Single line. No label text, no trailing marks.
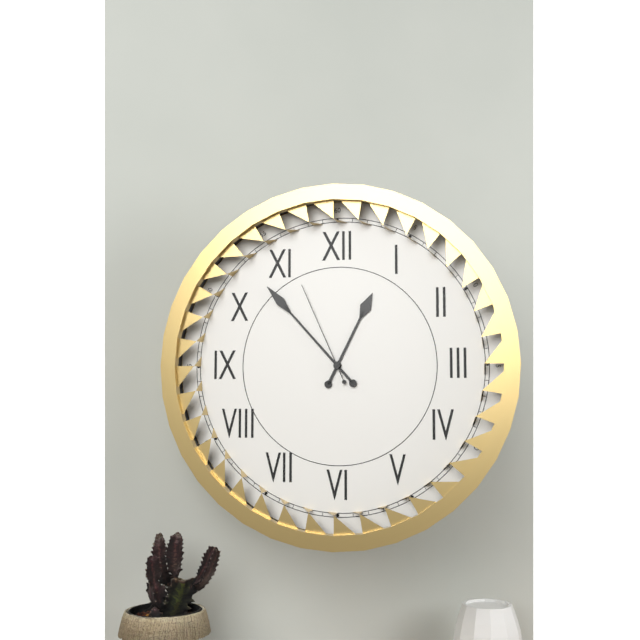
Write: 12,53,56
